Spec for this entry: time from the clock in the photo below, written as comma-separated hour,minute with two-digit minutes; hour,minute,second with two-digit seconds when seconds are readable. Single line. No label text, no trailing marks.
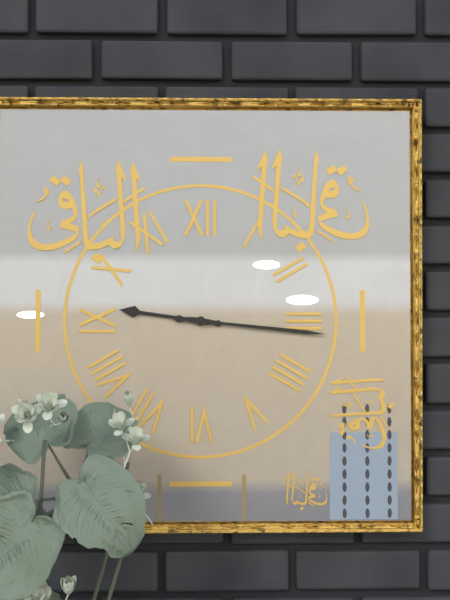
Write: 9,16
